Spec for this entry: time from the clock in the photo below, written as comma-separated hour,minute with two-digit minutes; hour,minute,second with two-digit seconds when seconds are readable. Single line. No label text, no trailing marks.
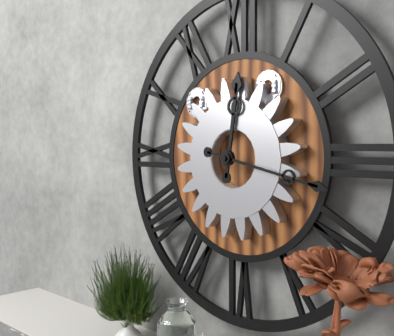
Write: 12,17
